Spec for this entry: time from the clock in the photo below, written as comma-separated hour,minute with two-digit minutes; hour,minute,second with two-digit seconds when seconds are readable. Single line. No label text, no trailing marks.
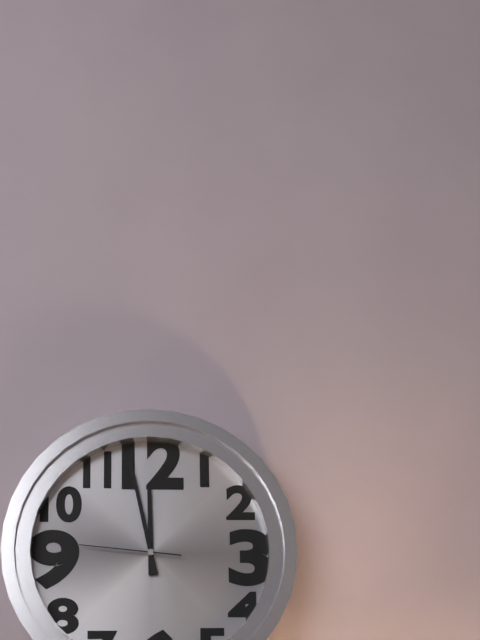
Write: 11,58,46
